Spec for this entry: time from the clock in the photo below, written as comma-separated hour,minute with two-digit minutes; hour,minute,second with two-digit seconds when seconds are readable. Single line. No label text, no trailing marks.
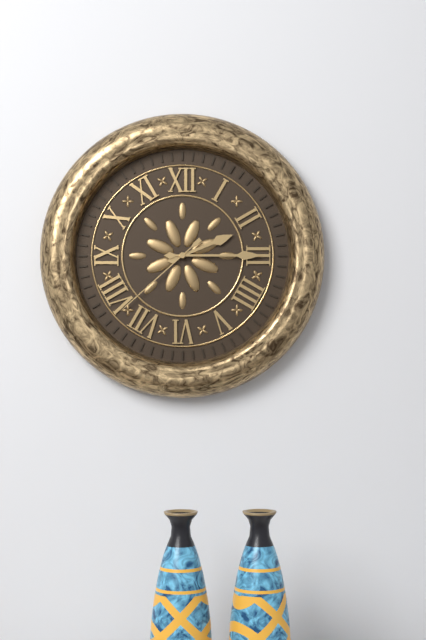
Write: 2,15,38
